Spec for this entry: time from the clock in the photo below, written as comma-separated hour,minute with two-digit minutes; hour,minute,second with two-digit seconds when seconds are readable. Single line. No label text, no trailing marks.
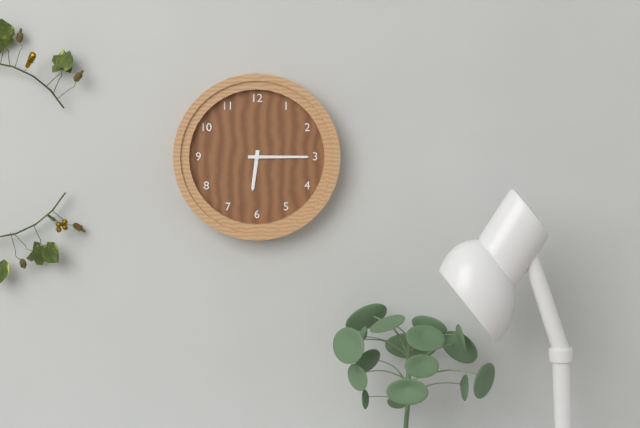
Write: 6,15
